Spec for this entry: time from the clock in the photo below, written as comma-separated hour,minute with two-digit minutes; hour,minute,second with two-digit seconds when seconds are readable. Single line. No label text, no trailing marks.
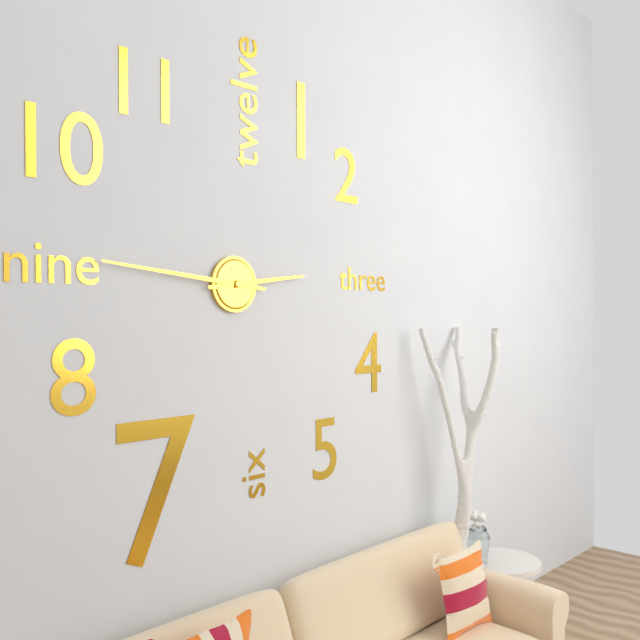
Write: 2,46
